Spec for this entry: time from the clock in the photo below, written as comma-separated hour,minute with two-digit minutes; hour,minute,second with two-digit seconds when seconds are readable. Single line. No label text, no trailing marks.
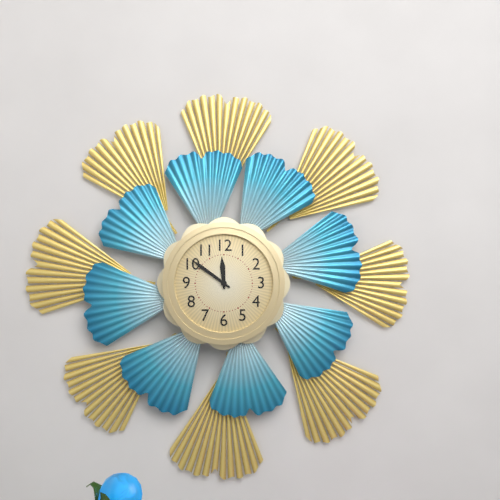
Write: 11,51
